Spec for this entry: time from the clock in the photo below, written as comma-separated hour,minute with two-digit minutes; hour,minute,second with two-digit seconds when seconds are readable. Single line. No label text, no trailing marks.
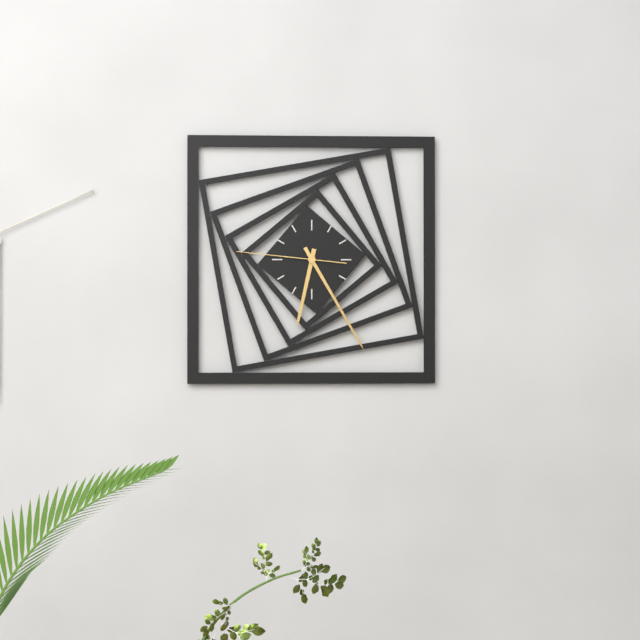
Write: 6,25,46
